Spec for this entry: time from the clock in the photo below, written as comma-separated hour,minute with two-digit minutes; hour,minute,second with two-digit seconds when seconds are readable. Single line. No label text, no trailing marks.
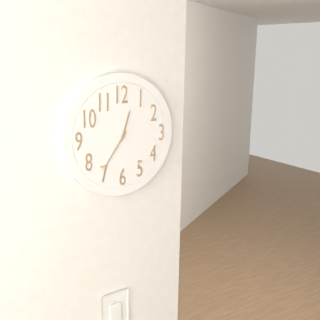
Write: 12,36
